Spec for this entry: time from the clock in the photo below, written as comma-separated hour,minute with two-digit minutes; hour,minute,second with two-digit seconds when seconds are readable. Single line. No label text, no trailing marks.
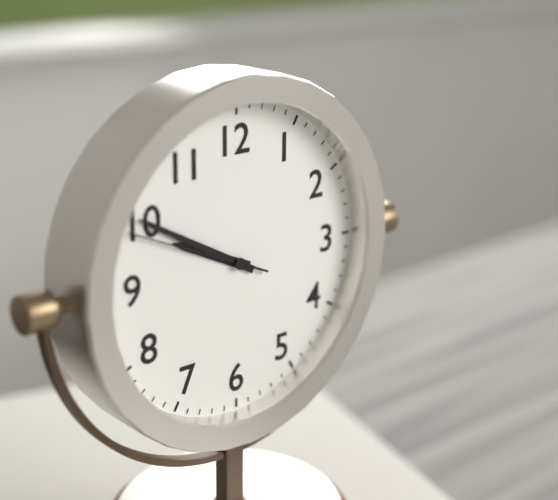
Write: 9,50,49
